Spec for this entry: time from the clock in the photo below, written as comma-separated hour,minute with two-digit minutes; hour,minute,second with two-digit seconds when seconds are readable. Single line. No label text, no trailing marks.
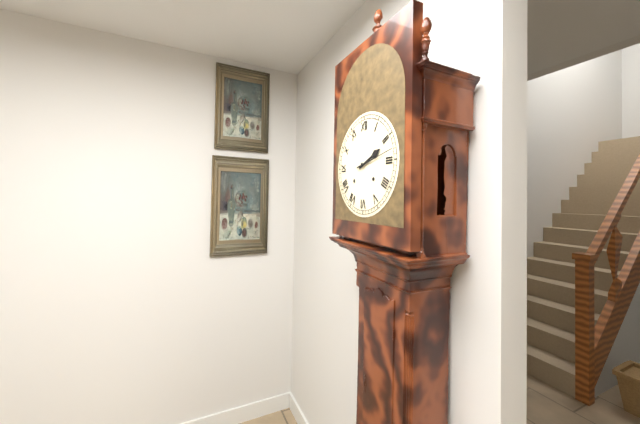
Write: 2,13
